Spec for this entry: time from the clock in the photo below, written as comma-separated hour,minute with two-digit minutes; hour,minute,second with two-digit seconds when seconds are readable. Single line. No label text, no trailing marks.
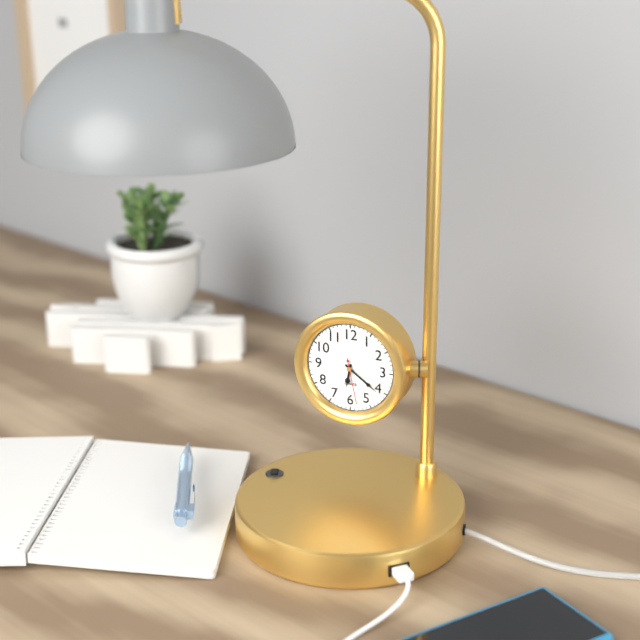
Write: 6,21
